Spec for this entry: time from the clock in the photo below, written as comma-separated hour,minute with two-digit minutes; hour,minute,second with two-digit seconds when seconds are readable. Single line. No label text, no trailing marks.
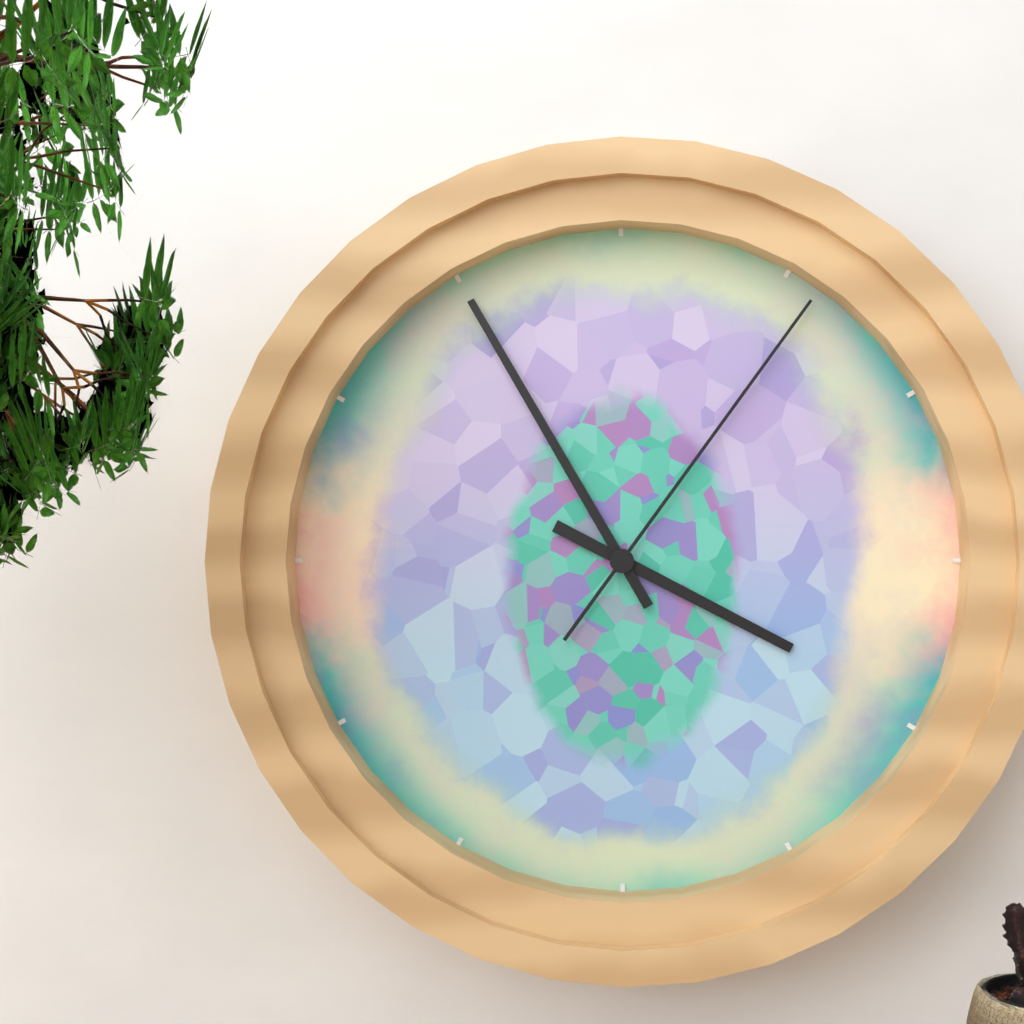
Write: 3,55,06
